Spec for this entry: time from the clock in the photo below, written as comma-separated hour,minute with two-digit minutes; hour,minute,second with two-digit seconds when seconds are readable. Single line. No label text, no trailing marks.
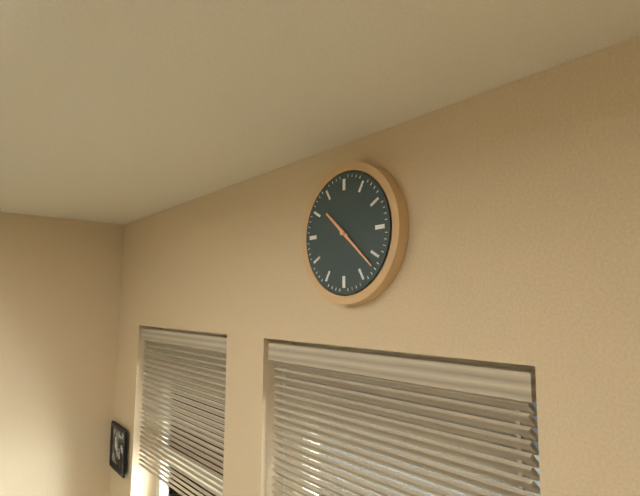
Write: 10,22
